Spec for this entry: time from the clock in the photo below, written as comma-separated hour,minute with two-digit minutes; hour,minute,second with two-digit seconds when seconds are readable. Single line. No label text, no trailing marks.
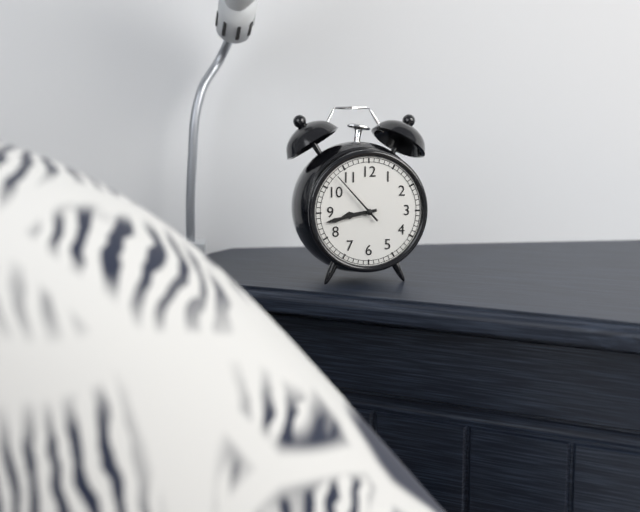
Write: 8,43,53
